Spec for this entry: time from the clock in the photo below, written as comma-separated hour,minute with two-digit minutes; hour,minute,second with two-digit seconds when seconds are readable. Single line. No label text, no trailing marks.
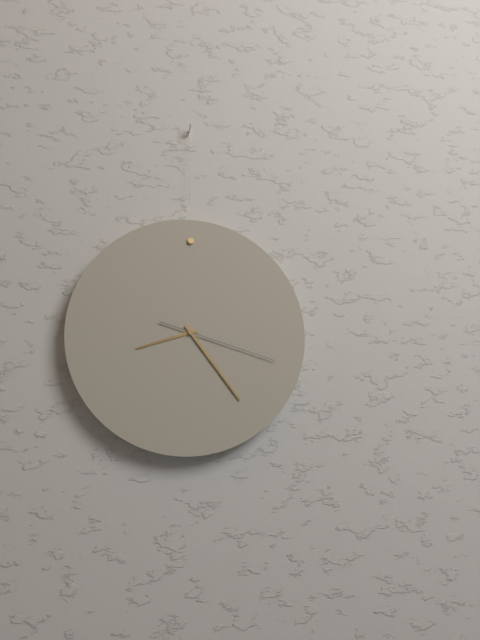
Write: 8,24,18
